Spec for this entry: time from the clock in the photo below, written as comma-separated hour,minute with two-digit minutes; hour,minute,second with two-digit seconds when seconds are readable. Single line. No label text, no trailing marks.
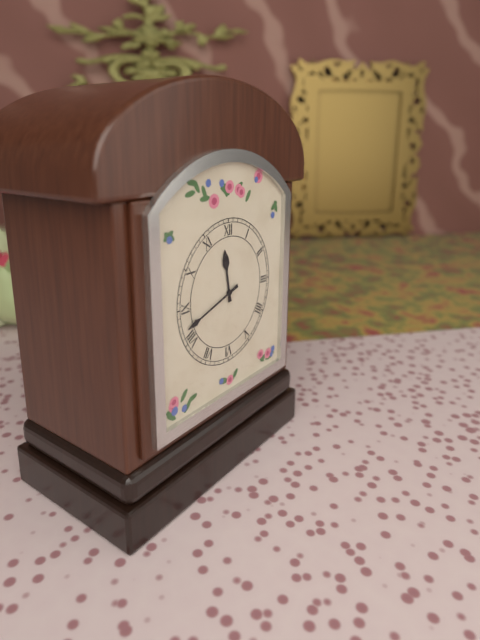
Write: 11,42
